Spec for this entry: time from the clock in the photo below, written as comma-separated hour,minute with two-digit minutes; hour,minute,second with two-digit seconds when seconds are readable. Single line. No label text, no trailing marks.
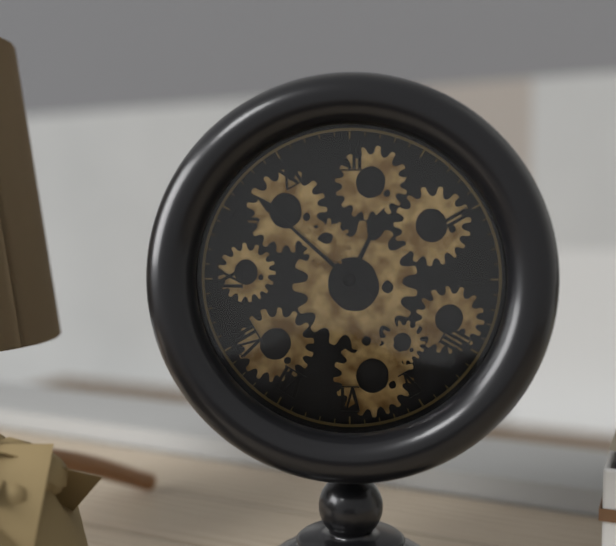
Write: 12,52
